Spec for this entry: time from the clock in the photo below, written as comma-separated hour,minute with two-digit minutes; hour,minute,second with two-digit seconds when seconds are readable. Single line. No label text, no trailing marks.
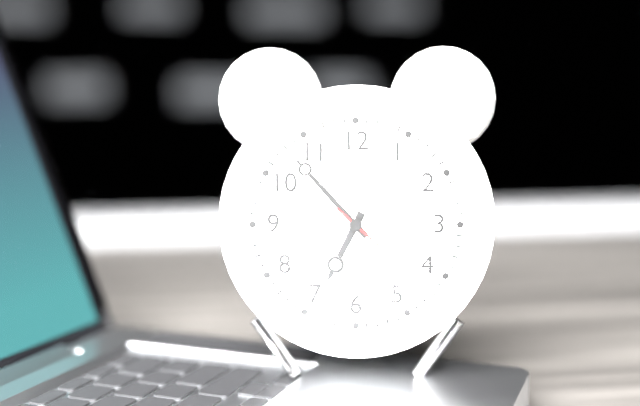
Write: 6,53,22
